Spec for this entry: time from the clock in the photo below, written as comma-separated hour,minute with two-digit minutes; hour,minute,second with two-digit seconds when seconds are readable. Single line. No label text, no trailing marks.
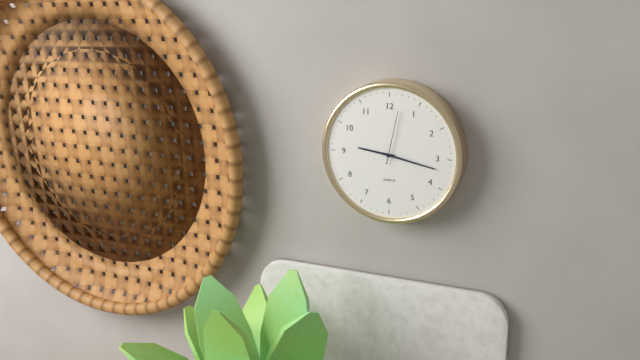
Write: 9,17,02
